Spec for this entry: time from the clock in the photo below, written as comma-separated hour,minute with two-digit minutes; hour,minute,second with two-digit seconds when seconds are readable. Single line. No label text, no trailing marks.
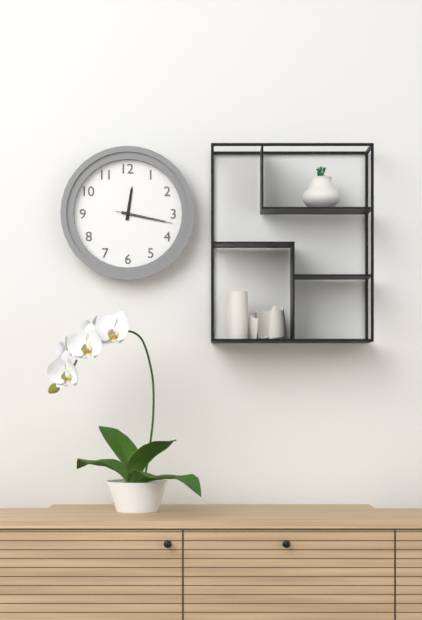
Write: 12,17,17
